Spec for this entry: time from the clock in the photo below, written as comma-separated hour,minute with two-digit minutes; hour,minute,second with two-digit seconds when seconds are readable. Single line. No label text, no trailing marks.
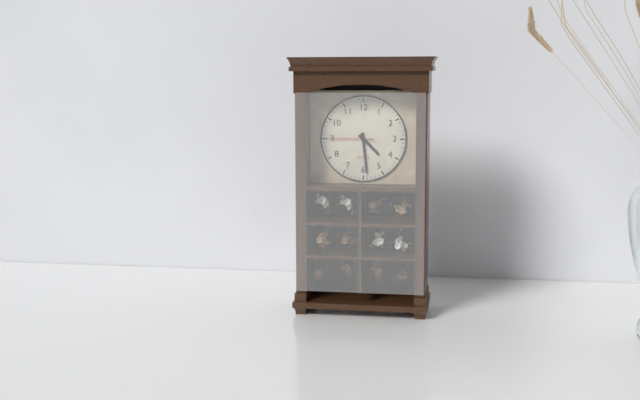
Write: 4,29
